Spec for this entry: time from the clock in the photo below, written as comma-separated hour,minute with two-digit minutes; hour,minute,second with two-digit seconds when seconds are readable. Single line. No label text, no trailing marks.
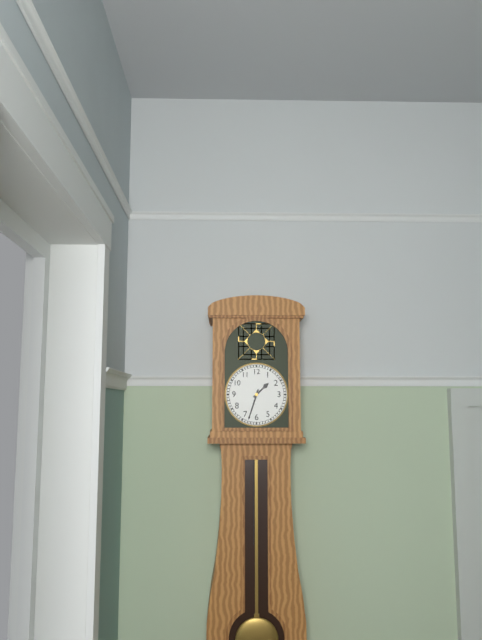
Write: 1,33
